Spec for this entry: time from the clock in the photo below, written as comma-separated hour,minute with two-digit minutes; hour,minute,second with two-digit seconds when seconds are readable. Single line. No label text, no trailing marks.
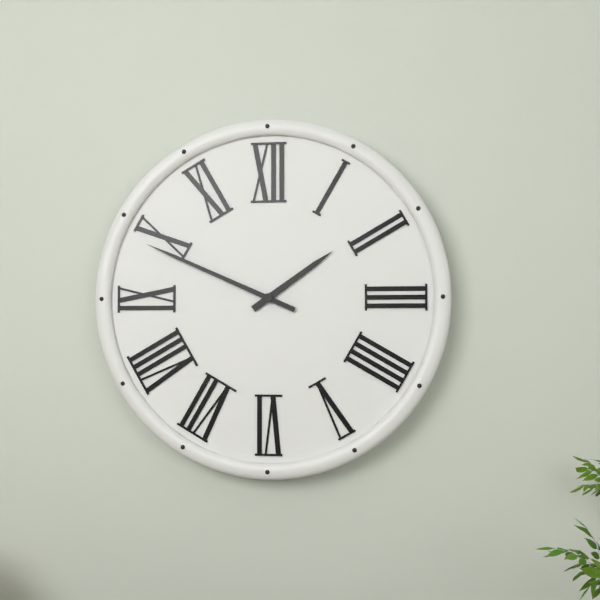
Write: 1,49
